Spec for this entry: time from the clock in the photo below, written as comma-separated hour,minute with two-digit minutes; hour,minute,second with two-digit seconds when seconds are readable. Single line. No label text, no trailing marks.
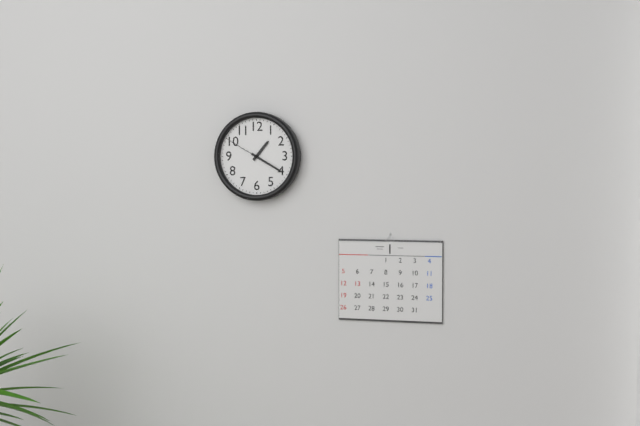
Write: 1,20
